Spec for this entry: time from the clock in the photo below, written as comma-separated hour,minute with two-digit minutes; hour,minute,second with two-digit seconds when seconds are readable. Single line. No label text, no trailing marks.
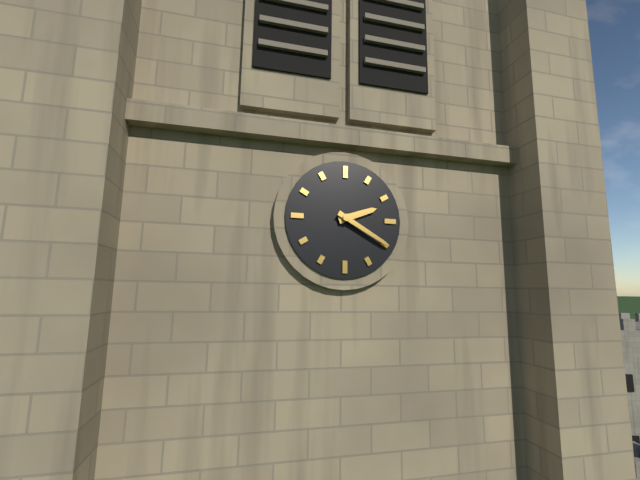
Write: 2,20
